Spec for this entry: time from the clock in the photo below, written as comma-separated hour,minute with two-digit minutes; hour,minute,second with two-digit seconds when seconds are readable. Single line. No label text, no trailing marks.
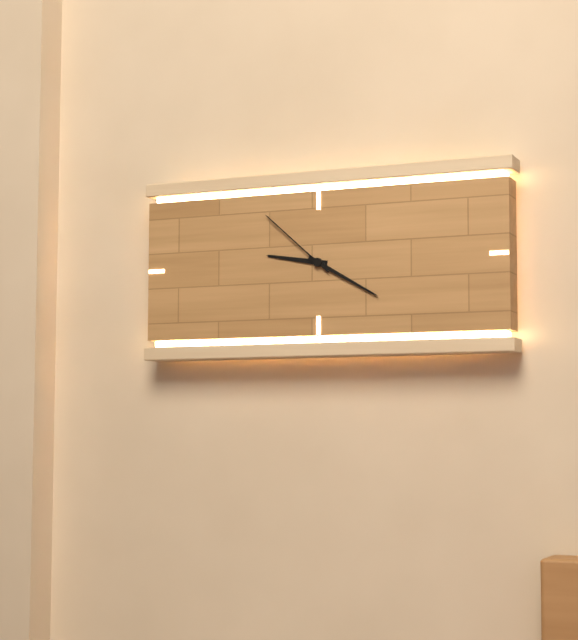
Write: 9,20,52
